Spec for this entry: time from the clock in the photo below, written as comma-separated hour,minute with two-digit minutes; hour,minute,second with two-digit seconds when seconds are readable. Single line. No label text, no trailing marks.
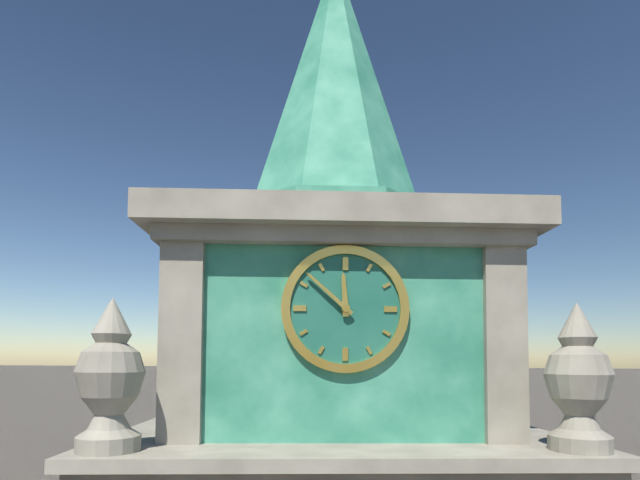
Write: 11,52
